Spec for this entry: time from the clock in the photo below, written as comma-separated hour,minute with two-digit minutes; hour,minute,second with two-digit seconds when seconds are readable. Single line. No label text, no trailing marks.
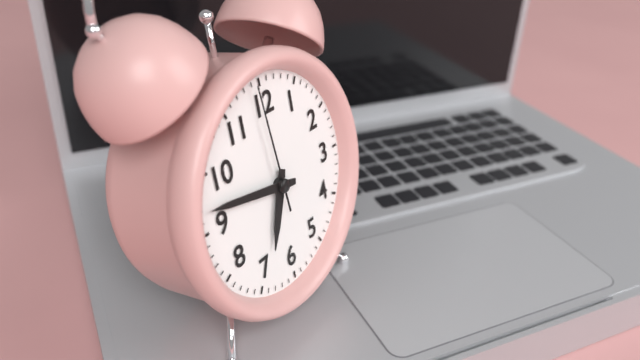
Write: 6,47,59
